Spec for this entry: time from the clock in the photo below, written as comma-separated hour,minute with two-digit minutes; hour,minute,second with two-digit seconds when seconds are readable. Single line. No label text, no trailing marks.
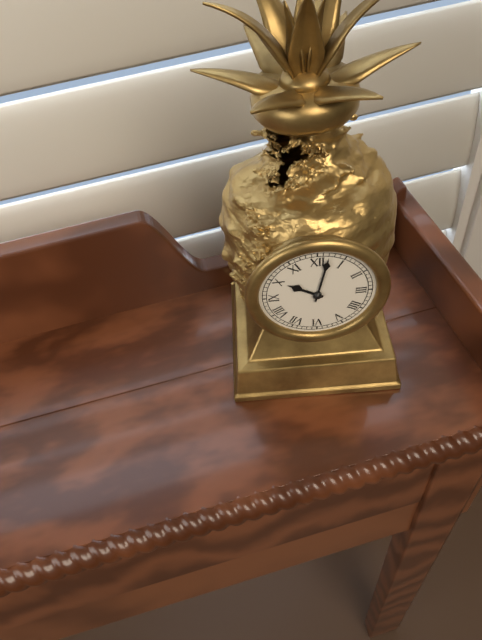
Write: 10,02
